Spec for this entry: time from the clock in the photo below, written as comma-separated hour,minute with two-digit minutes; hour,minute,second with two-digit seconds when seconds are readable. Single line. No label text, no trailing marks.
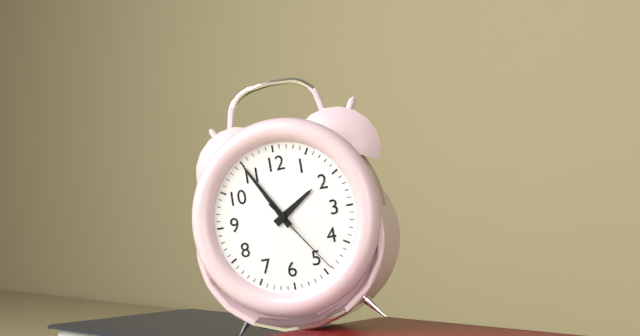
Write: 1,55,24
